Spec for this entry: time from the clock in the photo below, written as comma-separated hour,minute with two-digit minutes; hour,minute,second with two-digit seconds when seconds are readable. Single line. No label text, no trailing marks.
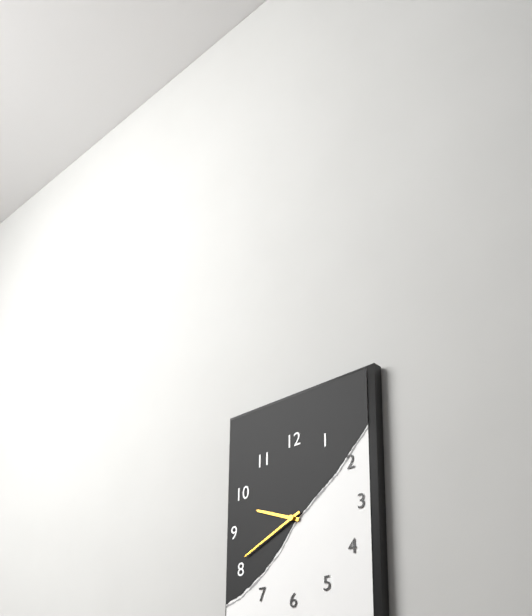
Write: 9,41
